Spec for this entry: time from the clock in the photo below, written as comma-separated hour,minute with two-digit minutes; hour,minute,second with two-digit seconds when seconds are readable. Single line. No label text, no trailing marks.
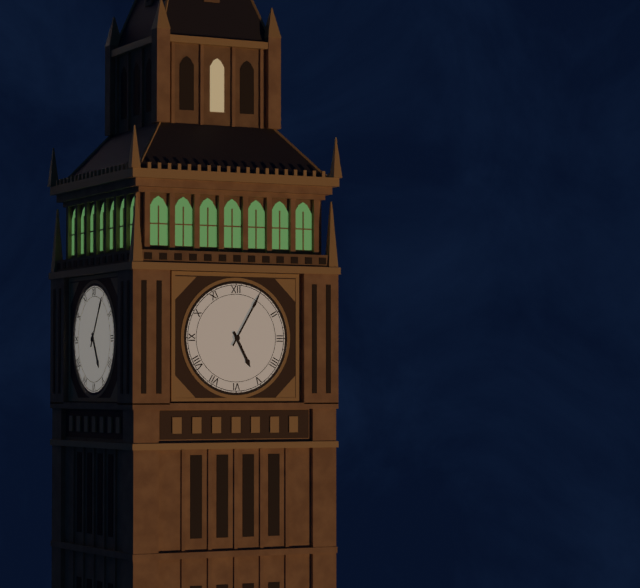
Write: 5,05
